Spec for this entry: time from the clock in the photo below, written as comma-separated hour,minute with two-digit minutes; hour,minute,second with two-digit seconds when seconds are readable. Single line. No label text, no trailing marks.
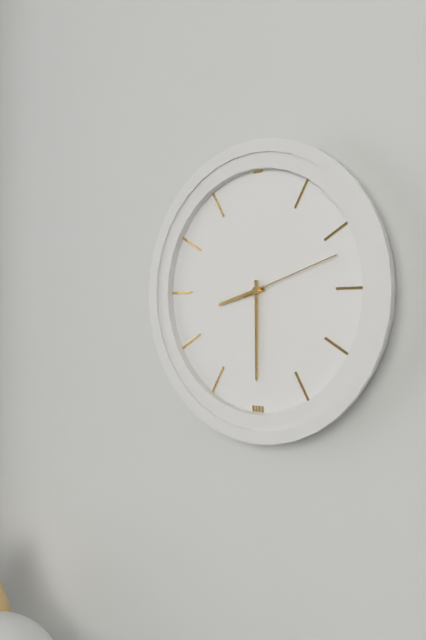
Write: 8,30,12
